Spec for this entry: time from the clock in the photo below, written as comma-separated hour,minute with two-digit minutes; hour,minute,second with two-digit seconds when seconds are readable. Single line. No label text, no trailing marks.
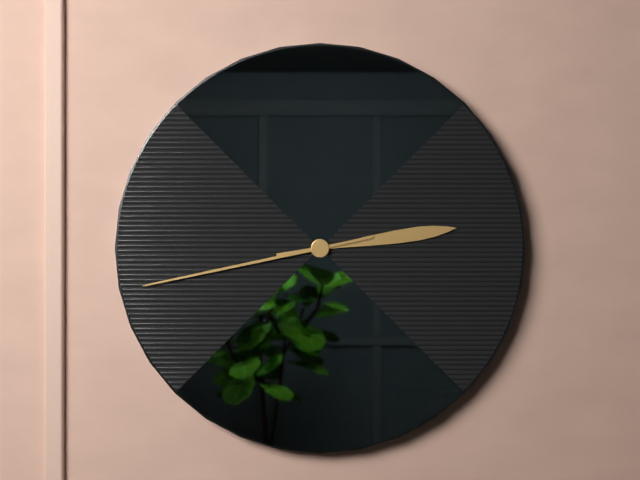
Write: 2,43
